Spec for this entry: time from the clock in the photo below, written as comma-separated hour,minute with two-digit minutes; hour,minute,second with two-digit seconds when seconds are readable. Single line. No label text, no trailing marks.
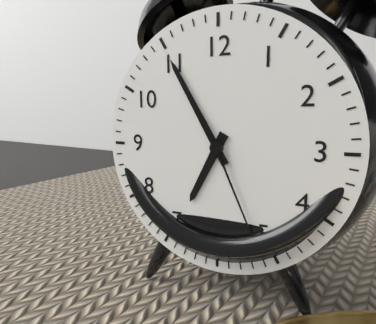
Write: 6,55,26
